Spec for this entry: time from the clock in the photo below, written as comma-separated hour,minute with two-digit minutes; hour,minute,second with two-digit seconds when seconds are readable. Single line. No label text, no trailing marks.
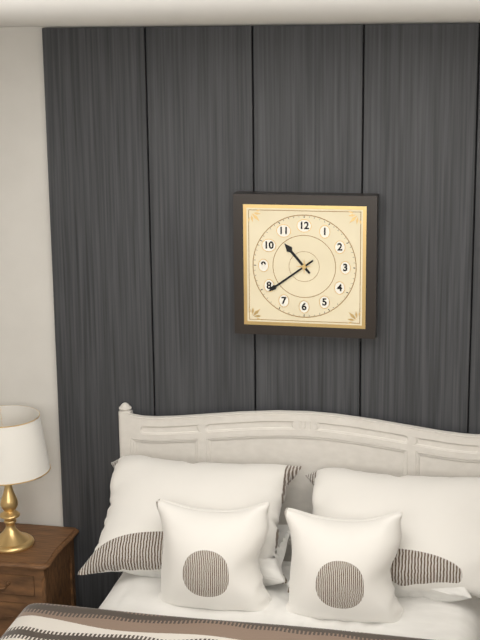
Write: 10,39
